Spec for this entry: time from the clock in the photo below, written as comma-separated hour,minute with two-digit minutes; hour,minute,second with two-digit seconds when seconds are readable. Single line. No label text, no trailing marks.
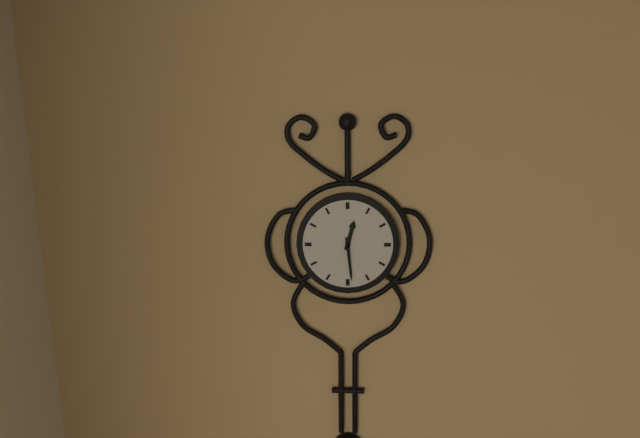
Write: 12,29
